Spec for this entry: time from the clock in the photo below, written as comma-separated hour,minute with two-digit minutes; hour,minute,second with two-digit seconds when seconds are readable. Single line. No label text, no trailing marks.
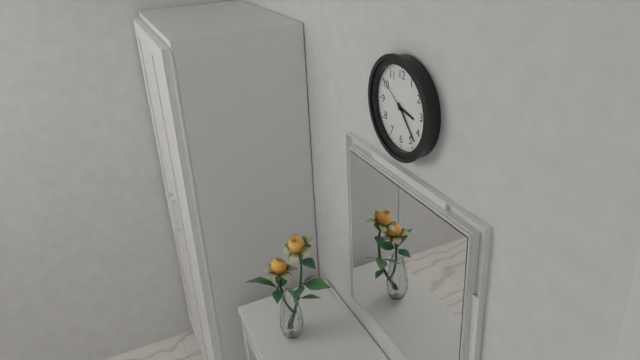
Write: 3,23
